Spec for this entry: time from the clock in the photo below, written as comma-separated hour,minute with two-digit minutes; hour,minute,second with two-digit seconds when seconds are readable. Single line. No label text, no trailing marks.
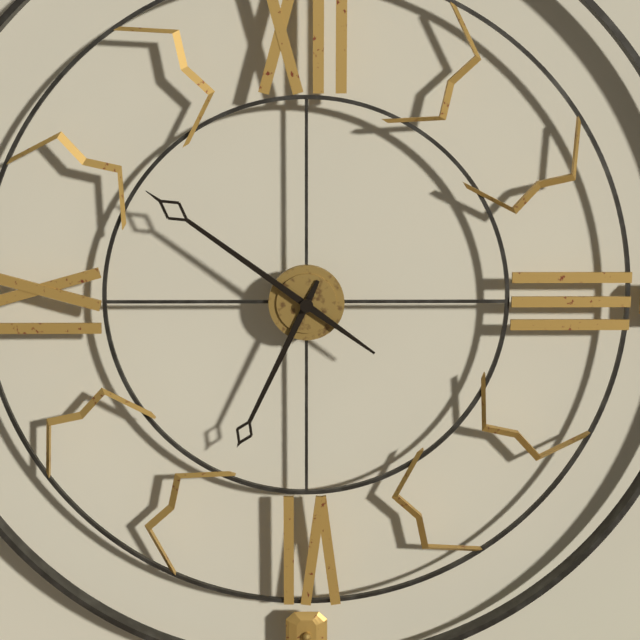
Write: 6,51
